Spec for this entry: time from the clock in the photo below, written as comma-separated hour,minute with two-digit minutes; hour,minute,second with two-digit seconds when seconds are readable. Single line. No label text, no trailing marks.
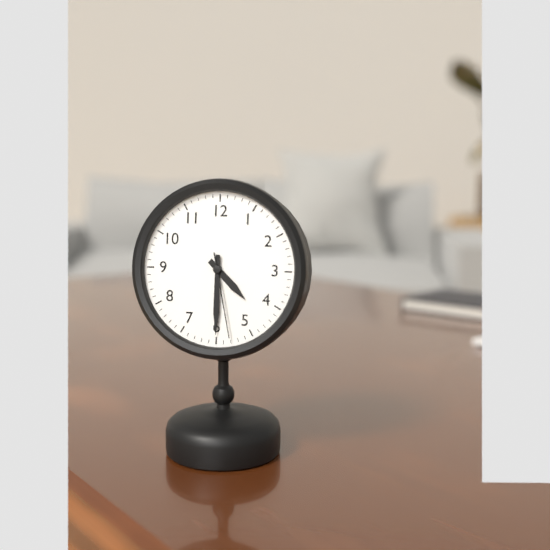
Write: 4,30,28
